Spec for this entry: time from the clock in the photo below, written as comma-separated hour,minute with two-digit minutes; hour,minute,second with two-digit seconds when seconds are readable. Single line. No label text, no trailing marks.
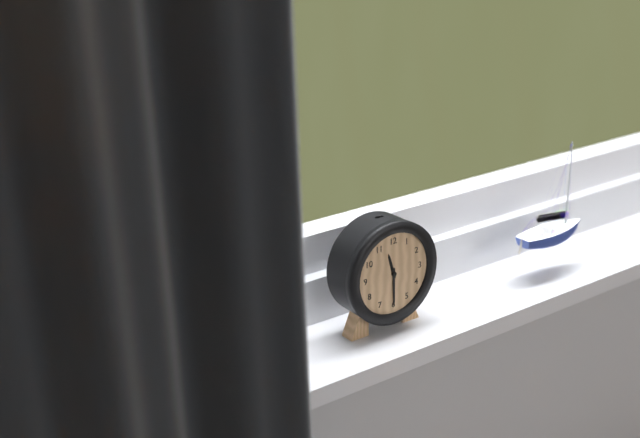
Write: 11,30
